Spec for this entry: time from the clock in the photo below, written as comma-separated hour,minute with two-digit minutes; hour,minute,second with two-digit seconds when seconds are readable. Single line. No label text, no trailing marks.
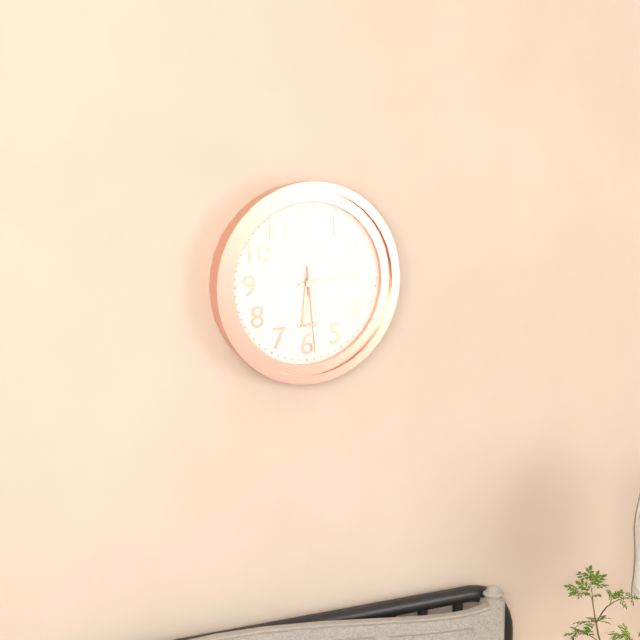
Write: 6,14,29
